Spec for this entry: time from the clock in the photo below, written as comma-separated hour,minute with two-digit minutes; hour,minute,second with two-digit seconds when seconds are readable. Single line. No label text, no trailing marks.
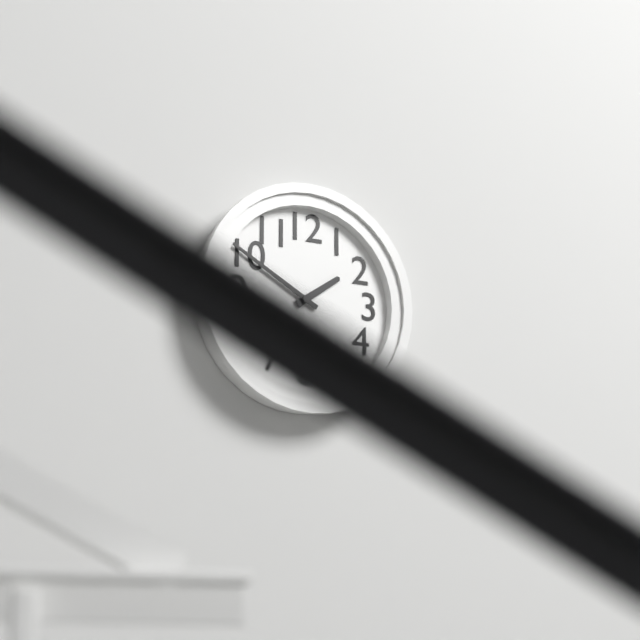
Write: 1,50
